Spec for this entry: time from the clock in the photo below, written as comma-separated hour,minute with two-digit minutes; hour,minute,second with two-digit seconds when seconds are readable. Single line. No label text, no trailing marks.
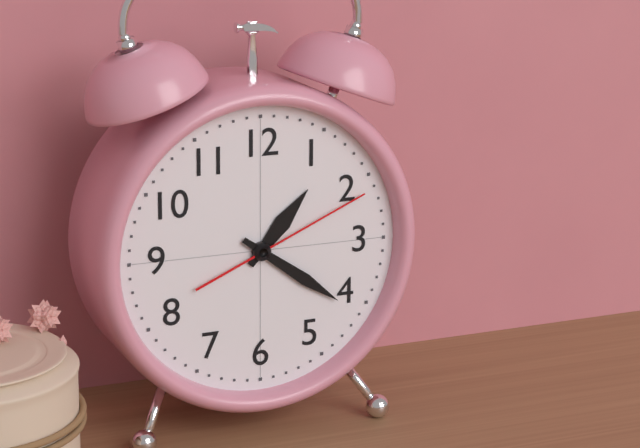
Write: 1,21,11
